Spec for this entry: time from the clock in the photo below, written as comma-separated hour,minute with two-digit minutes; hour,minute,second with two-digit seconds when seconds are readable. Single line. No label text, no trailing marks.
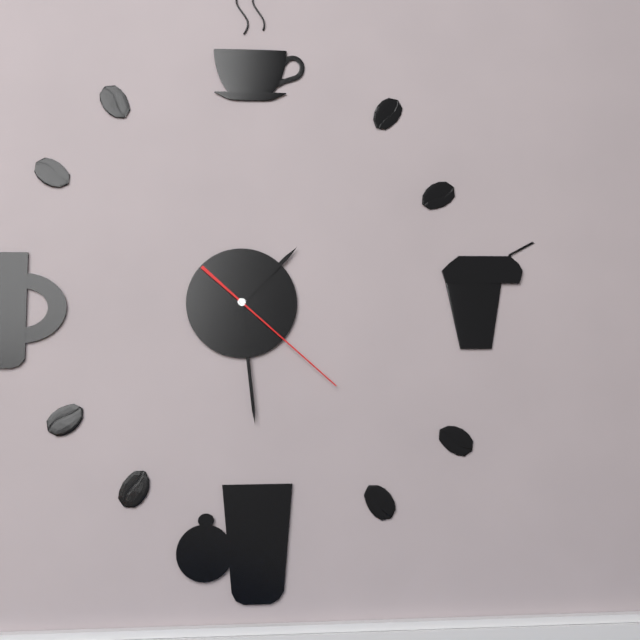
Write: 1,29,22
